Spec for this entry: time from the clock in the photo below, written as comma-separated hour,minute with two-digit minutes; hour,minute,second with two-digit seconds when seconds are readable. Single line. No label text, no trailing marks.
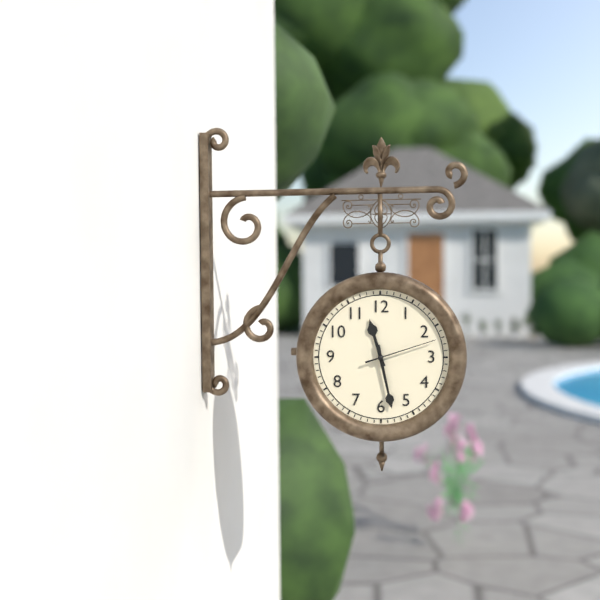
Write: 11,28,12
